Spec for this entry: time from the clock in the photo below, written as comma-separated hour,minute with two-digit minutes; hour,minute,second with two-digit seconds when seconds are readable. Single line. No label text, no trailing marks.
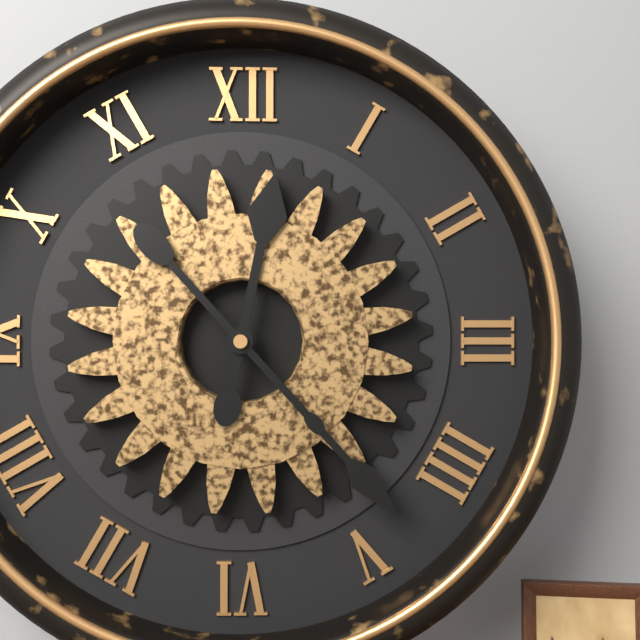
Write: 12,23
